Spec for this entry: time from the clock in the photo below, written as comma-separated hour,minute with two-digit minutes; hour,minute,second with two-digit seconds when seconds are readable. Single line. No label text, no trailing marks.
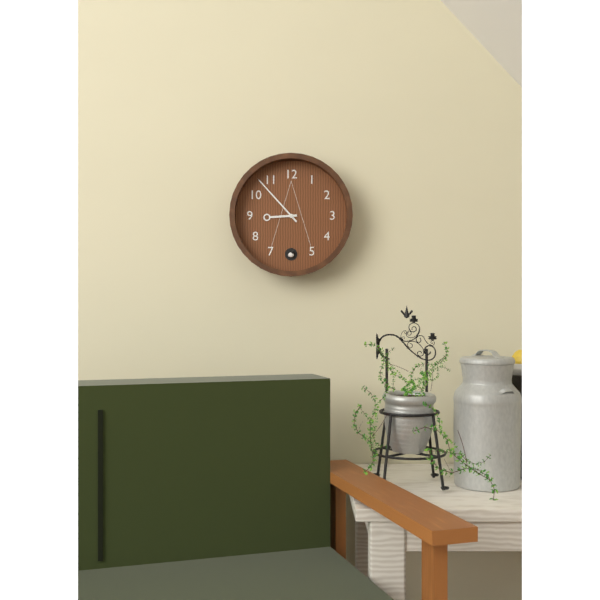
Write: 8,53
